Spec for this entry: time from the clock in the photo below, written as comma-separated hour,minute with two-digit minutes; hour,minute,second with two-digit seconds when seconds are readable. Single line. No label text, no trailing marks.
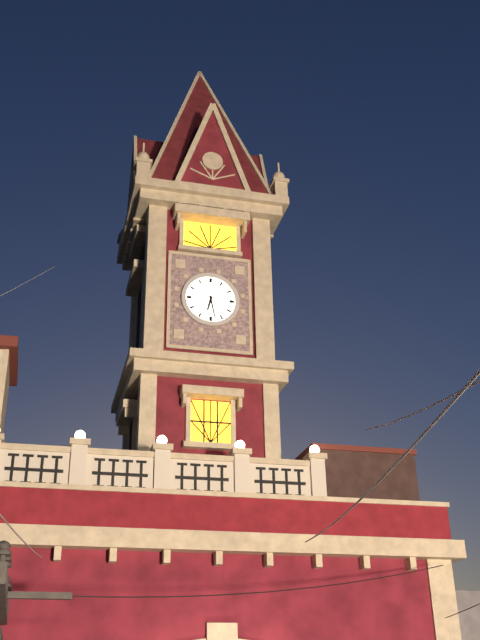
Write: 6,28
